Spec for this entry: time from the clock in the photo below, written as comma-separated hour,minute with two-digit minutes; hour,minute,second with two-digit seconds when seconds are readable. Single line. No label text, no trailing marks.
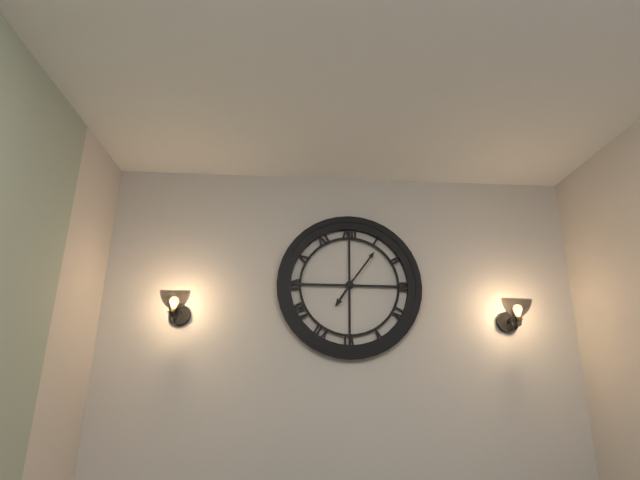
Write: 7,06
